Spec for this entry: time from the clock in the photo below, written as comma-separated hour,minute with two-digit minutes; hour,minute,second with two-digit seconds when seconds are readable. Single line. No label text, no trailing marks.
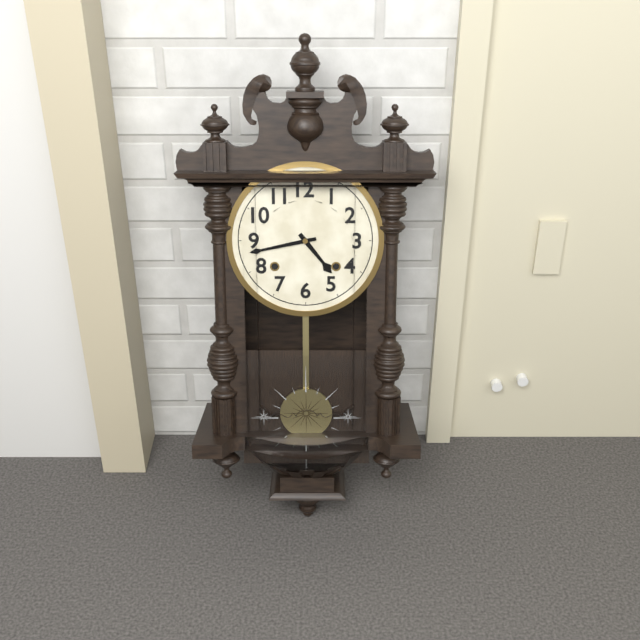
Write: 4,43
